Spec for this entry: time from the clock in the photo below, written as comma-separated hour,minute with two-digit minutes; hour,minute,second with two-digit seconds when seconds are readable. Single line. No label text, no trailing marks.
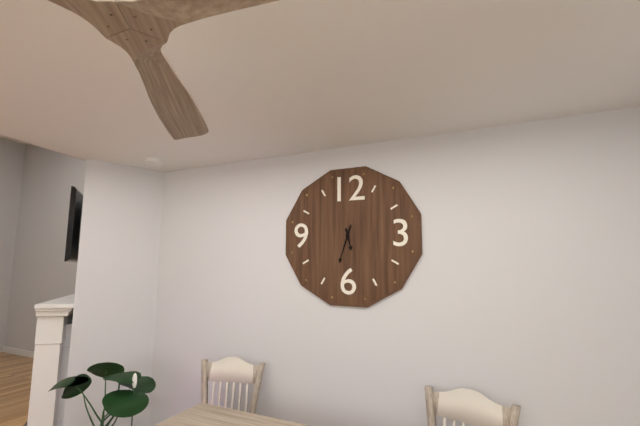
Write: 5,33
